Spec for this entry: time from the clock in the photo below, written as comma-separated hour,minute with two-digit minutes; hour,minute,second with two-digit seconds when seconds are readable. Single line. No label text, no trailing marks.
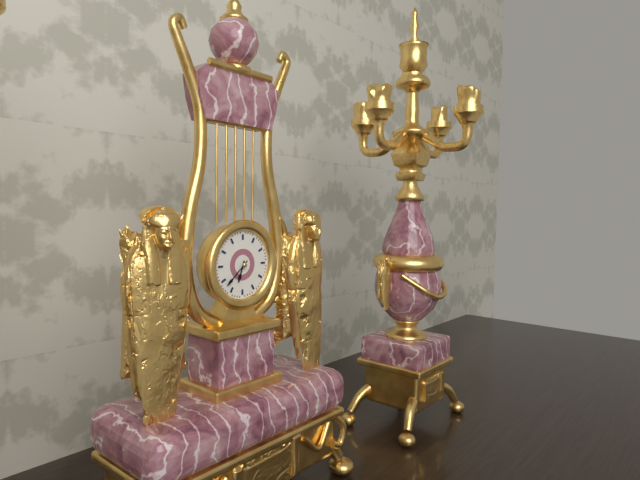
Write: 6,38
